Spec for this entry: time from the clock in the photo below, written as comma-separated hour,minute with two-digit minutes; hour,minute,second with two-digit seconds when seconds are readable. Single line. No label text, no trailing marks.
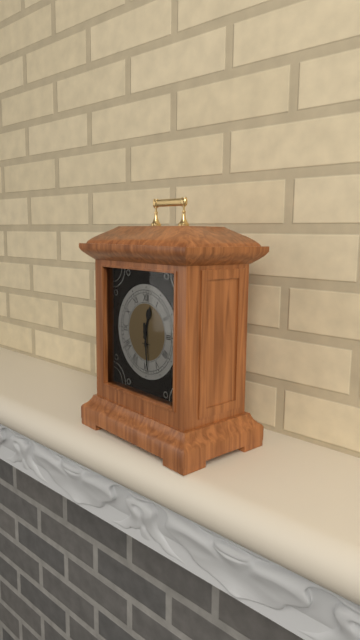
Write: 12,29
